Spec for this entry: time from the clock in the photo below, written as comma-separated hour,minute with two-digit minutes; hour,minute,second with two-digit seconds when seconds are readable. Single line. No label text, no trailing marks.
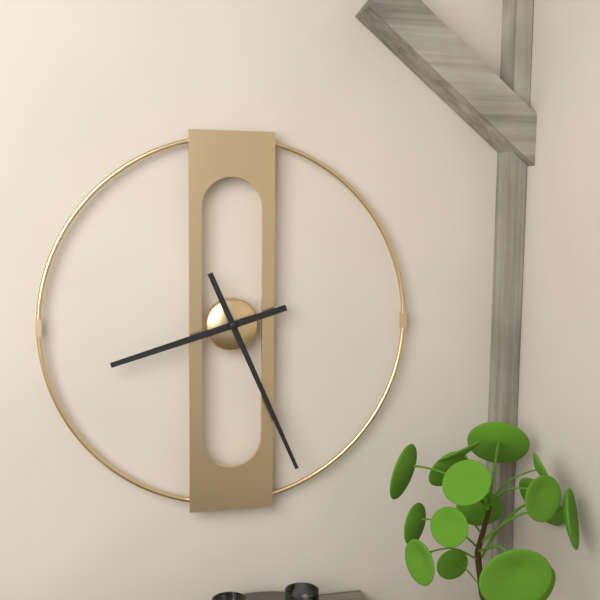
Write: 8,26
